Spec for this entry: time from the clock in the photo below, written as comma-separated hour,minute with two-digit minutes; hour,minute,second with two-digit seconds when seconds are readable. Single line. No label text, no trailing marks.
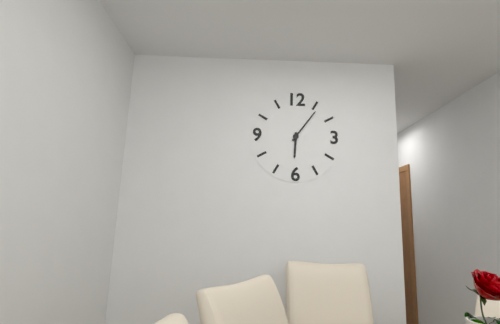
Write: 6,06
